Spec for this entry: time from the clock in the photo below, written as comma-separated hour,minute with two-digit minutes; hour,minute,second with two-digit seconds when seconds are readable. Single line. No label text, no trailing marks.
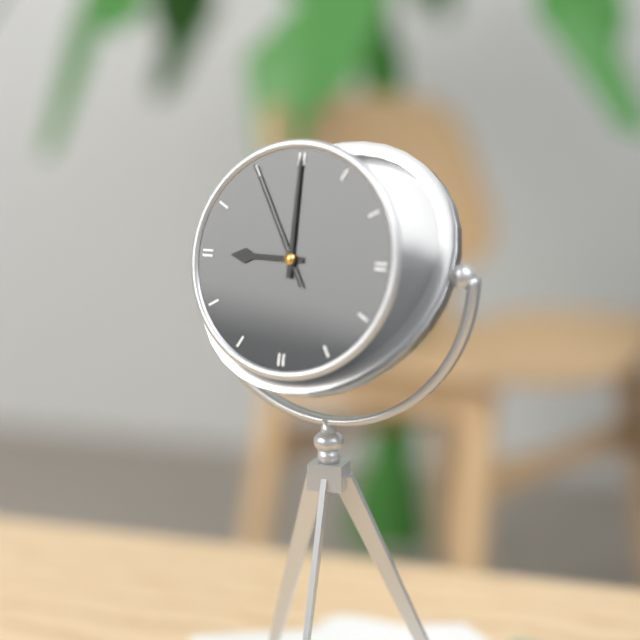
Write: 9,00,55
